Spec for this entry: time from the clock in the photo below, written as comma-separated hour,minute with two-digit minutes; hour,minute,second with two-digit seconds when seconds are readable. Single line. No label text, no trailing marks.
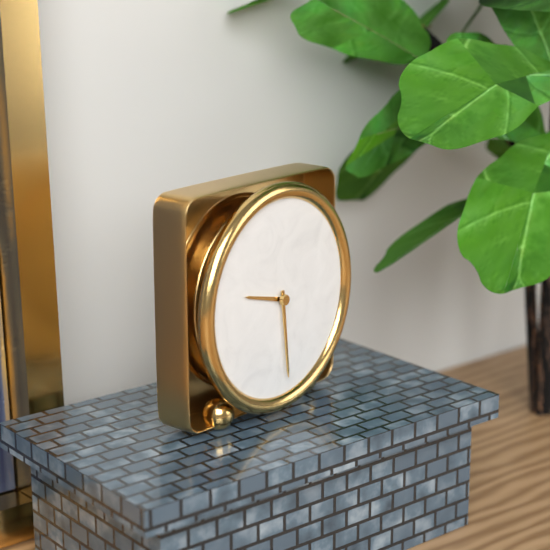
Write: 9,29
